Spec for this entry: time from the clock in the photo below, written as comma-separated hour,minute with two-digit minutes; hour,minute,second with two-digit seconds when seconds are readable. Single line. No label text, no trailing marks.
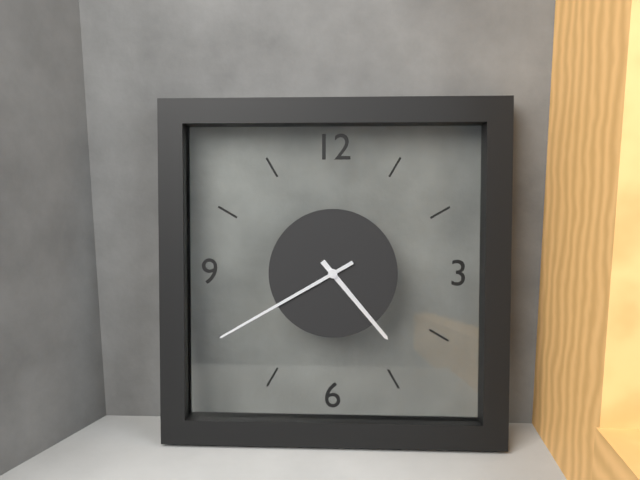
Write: 4,40
